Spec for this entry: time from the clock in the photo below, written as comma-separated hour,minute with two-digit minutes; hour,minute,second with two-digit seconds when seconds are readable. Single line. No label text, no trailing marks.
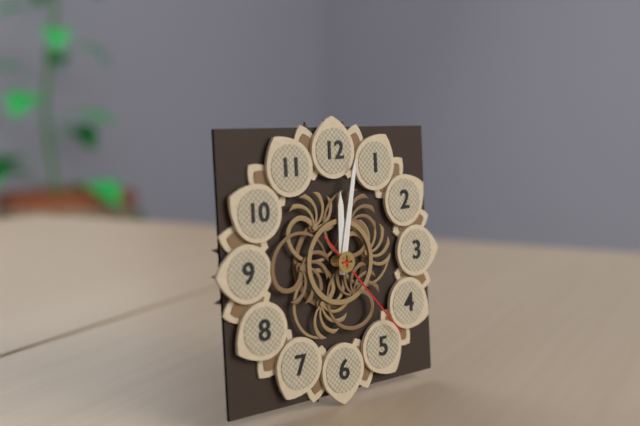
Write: 12,02,23
